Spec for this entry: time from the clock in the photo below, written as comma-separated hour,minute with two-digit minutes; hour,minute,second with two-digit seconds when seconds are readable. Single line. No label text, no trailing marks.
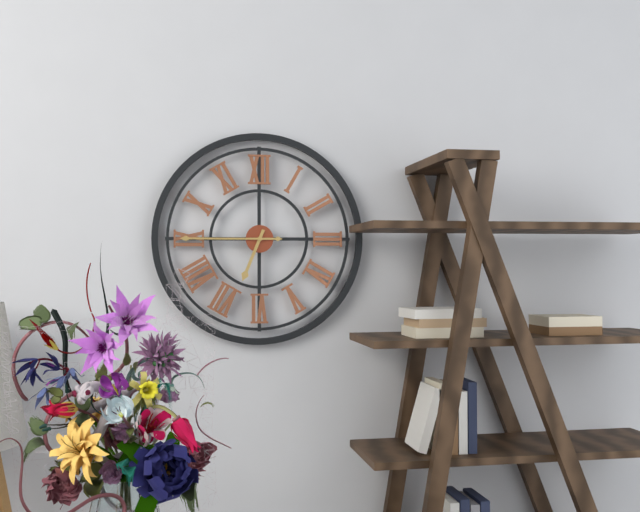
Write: 6,45
